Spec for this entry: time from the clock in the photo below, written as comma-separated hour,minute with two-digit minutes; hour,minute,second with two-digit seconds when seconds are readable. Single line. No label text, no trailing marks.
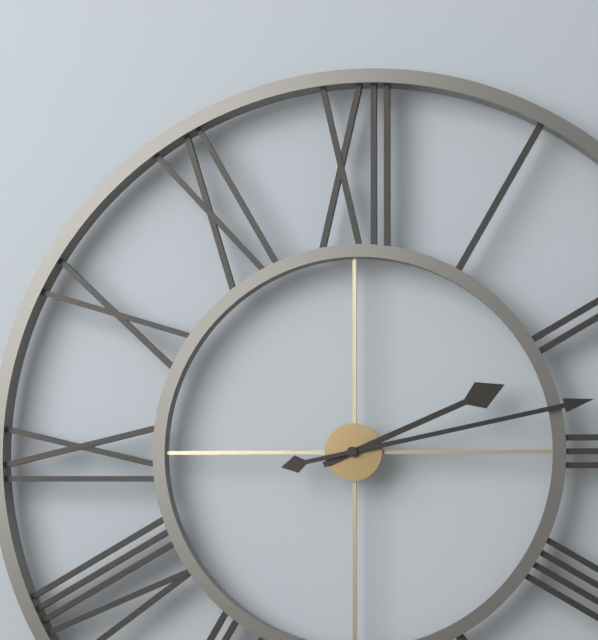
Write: 2,13
